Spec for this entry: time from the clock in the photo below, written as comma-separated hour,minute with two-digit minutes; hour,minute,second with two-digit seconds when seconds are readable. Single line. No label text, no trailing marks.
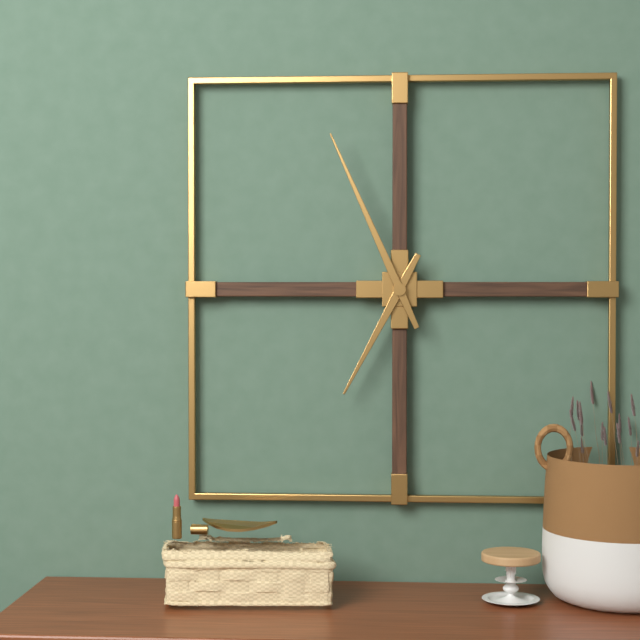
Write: 6,56
